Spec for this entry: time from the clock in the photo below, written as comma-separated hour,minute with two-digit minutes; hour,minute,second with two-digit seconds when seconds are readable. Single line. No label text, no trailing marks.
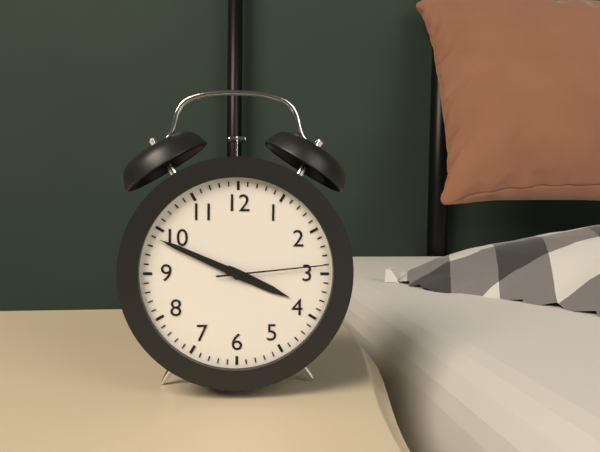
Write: 3,49,14
